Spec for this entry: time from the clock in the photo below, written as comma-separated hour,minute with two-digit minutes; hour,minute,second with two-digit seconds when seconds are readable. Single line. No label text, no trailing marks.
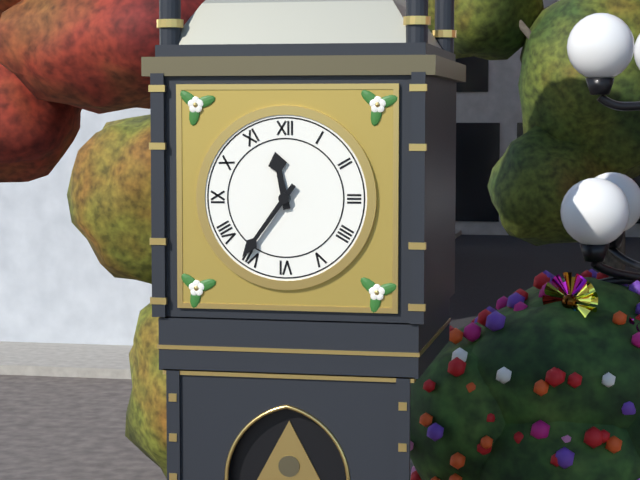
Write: 11,36
